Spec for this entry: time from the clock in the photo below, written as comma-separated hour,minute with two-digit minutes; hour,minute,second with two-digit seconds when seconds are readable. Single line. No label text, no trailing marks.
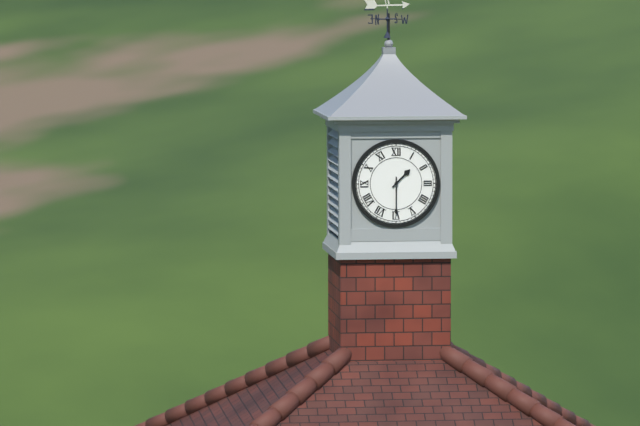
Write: 1,30
